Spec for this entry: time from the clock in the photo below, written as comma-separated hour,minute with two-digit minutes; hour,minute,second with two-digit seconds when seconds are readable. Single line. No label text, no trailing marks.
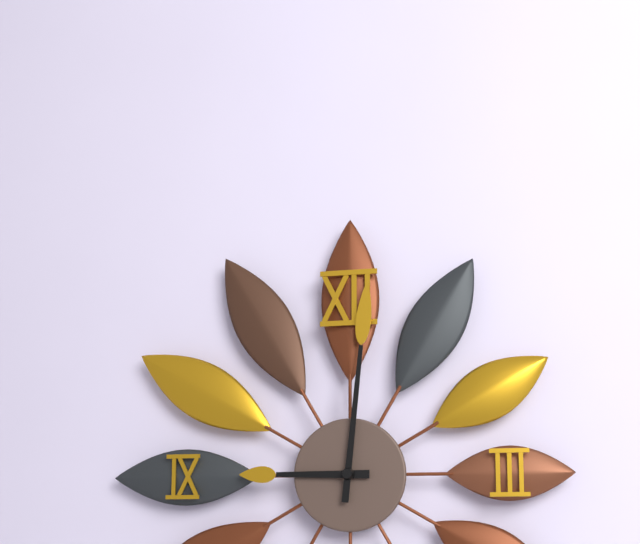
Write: 9,01
